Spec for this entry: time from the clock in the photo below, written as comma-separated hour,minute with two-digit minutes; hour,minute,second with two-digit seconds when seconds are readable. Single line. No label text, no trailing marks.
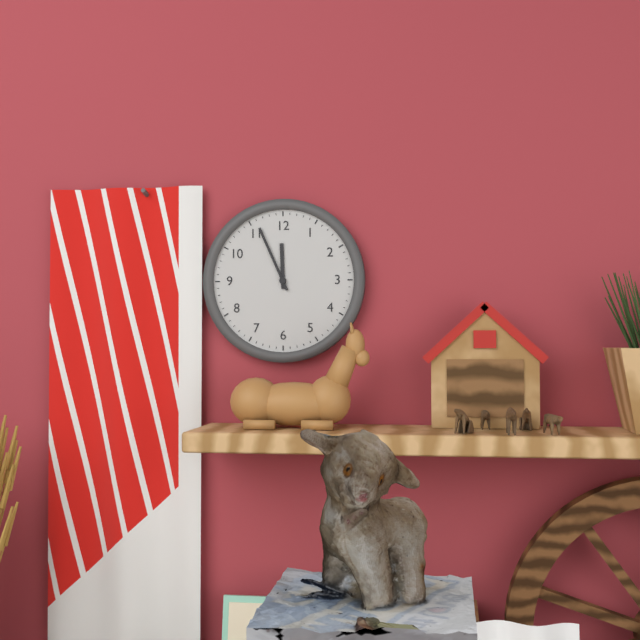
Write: 11,56
